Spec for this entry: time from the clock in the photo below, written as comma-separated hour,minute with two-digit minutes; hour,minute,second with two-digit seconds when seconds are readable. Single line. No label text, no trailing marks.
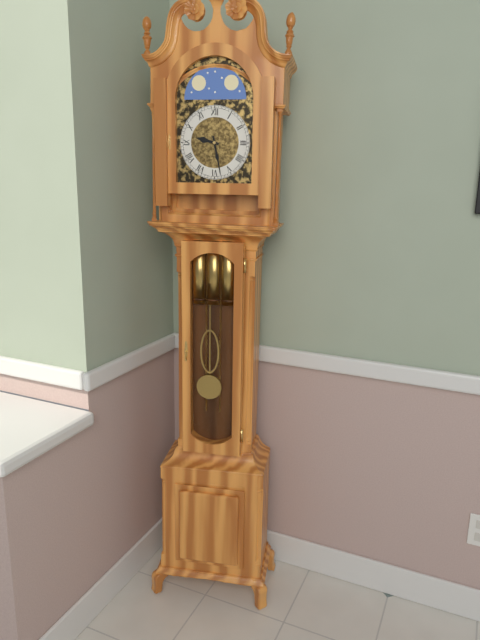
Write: 9,28
